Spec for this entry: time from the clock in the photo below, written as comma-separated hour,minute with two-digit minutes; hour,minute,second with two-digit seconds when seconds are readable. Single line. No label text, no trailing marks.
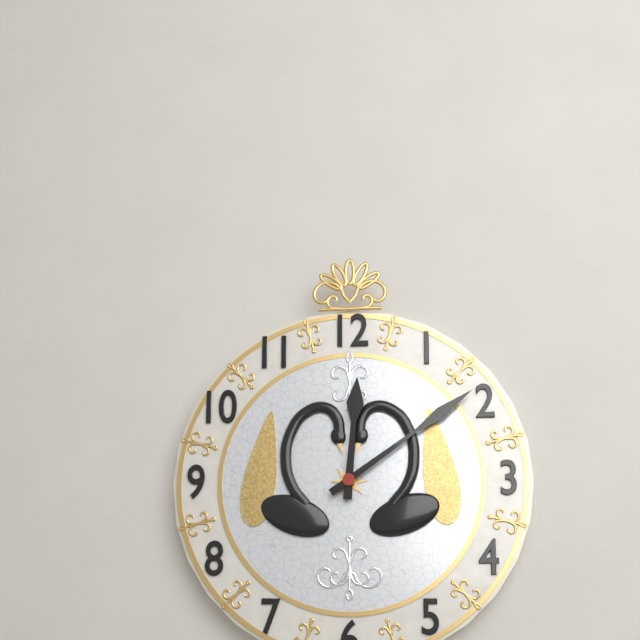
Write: 12,09
